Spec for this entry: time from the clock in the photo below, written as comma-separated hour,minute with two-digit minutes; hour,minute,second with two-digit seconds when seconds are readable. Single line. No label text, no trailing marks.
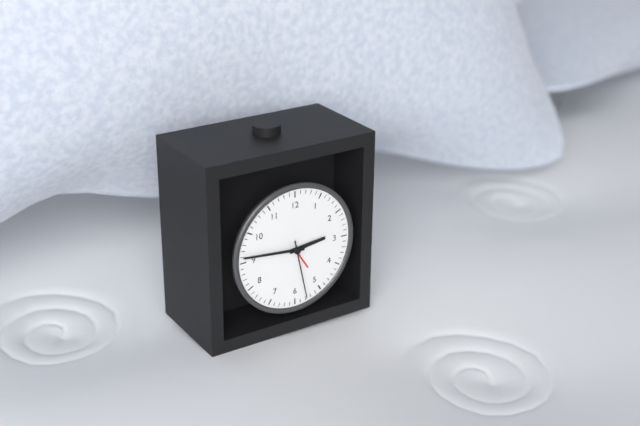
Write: 2,46,28
